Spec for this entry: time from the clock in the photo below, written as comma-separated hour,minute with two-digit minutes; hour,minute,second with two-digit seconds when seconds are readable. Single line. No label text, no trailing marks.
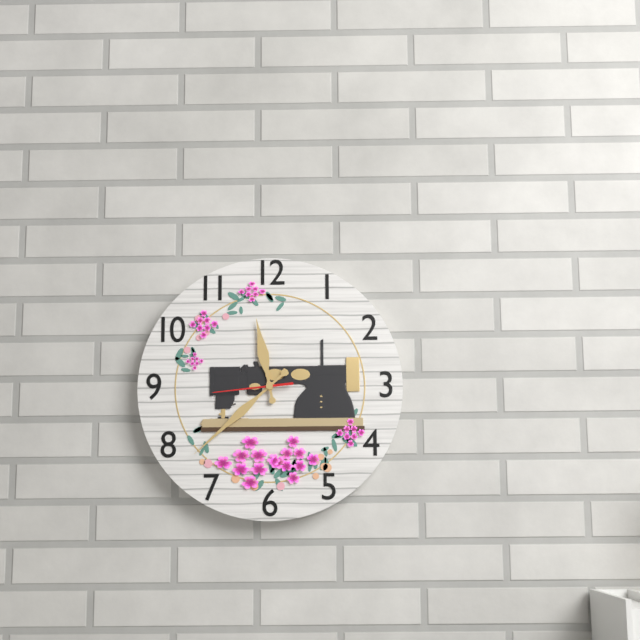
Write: 11,38,44
